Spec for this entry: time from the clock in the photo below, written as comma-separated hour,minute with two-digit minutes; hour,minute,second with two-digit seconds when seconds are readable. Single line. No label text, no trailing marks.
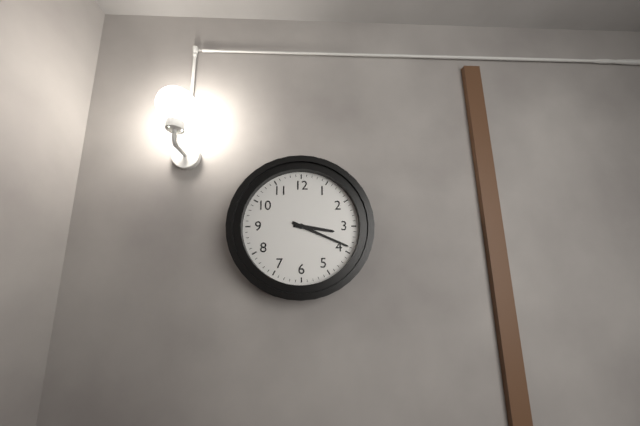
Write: 3,19
